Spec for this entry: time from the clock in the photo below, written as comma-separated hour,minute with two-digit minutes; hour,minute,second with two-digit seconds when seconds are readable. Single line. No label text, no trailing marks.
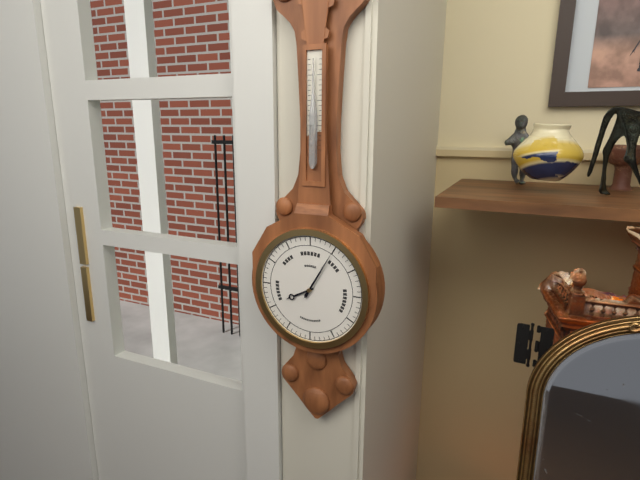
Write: 8,05
